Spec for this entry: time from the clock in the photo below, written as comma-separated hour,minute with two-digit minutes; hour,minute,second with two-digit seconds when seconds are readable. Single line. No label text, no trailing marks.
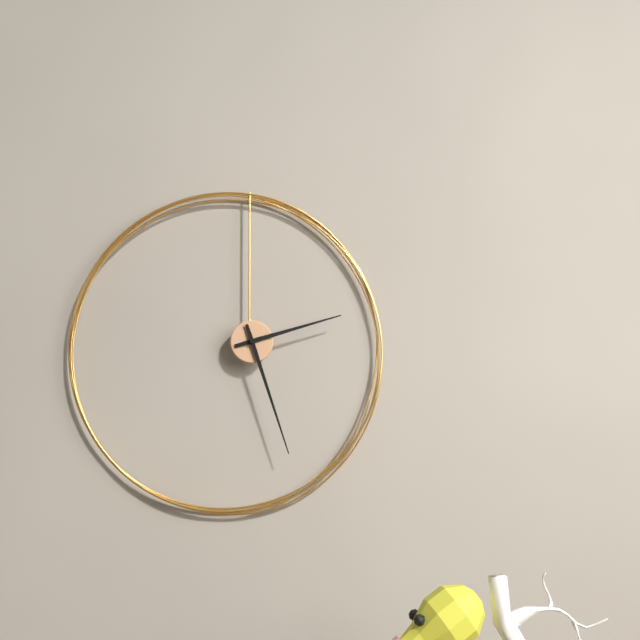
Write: 2,27
